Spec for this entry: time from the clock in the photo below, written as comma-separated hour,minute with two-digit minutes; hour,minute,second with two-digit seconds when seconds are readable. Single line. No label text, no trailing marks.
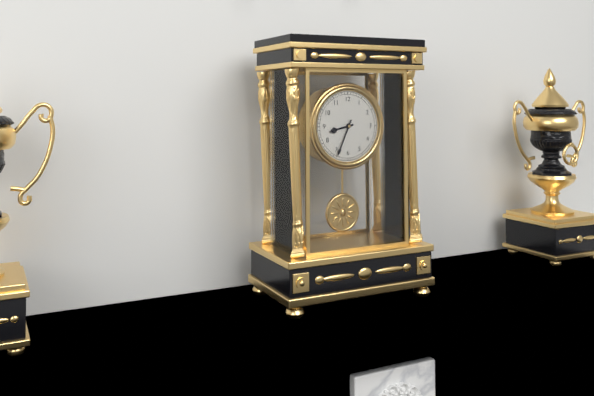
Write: 8,34
